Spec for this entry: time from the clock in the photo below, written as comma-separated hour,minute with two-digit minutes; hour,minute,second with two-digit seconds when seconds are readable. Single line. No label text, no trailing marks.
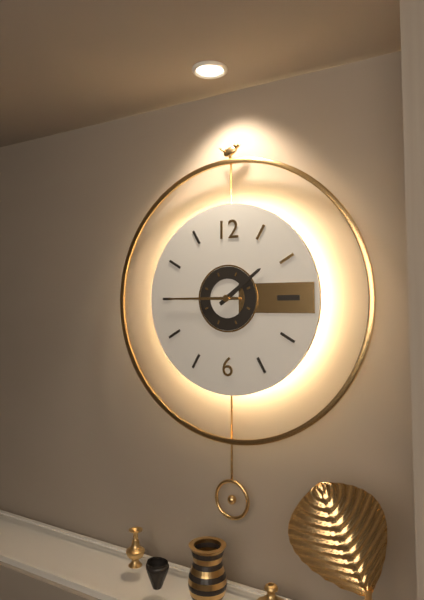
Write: 1,45
